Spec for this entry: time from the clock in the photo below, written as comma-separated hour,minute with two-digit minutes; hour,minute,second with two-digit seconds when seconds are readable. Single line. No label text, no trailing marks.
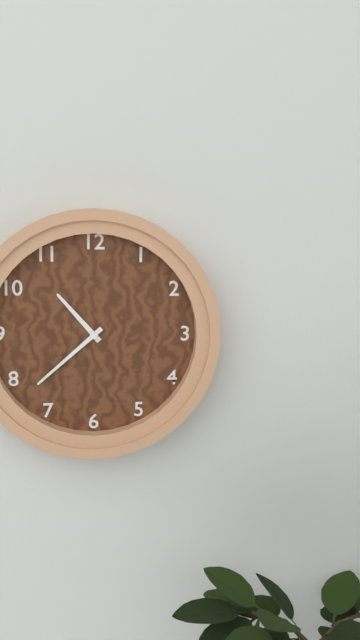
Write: 10,38
